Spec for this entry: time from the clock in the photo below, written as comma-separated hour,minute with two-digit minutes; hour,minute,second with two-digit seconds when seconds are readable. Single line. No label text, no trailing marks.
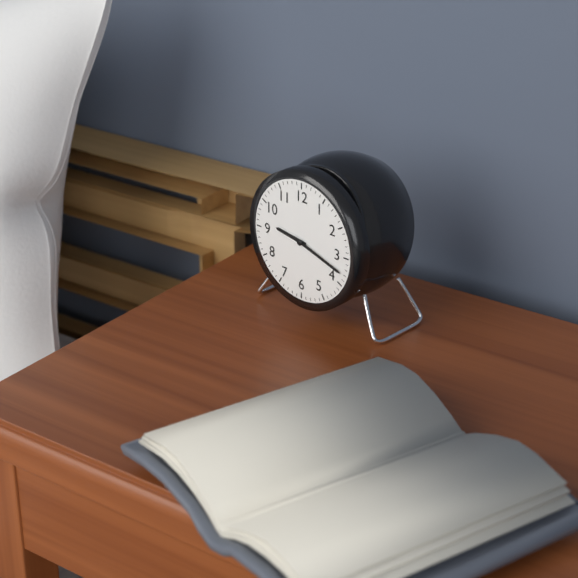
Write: 9,18
